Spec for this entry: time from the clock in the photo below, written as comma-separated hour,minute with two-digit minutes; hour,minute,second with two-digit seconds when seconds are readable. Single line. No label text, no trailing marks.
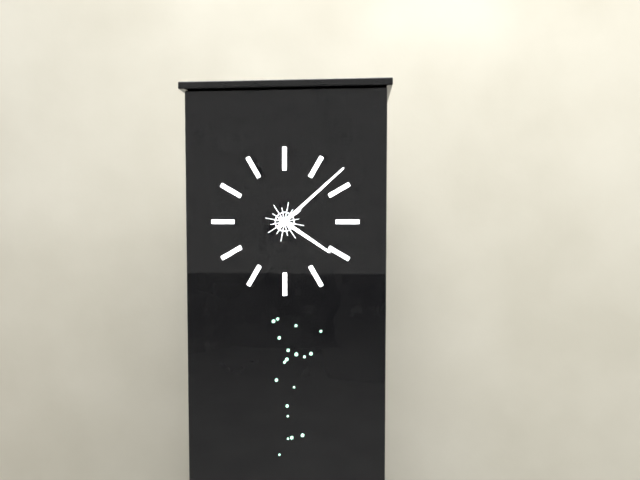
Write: 4,08
